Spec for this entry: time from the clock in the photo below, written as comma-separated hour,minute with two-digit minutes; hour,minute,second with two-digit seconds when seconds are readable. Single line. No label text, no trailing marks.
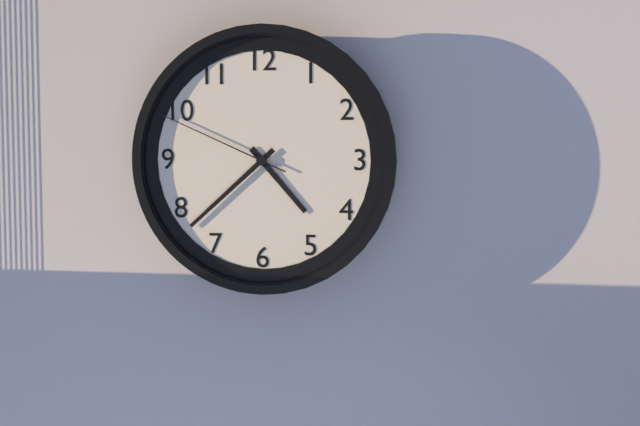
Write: 4,38,49
